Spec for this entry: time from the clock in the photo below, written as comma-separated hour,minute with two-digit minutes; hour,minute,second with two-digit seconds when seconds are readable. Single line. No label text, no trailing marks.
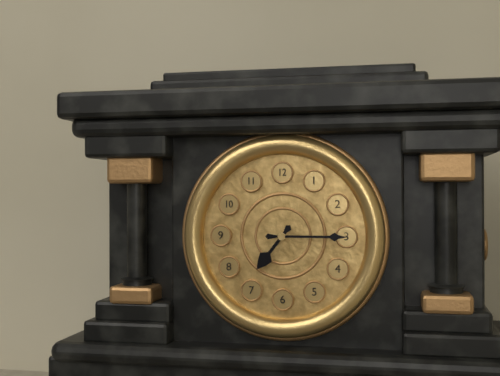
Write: 7,15
